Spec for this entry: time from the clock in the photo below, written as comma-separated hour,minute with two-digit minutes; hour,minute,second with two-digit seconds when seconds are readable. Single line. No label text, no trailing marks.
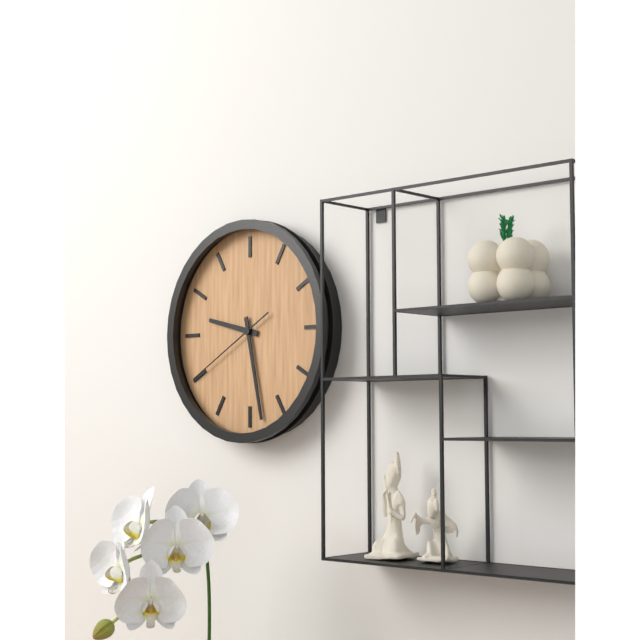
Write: 9,28,40
